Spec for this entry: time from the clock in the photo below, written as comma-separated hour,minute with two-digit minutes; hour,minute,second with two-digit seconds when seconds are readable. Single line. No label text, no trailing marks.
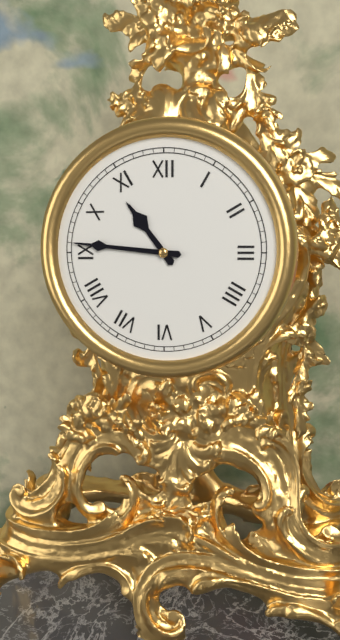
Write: 10,46
